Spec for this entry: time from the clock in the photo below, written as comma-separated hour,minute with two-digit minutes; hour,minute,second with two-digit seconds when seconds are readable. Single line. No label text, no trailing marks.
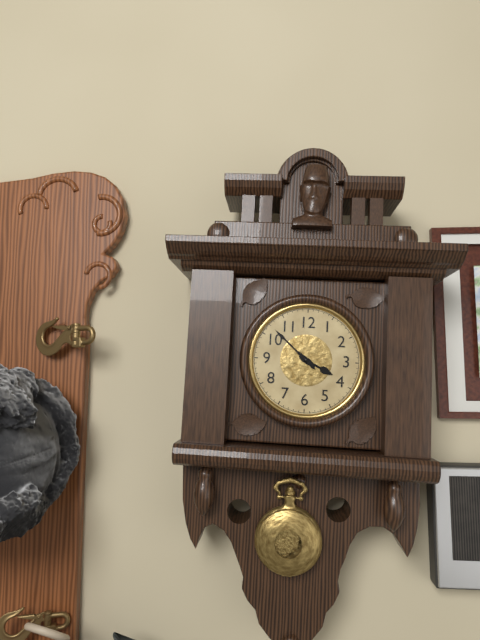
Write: 3,52
